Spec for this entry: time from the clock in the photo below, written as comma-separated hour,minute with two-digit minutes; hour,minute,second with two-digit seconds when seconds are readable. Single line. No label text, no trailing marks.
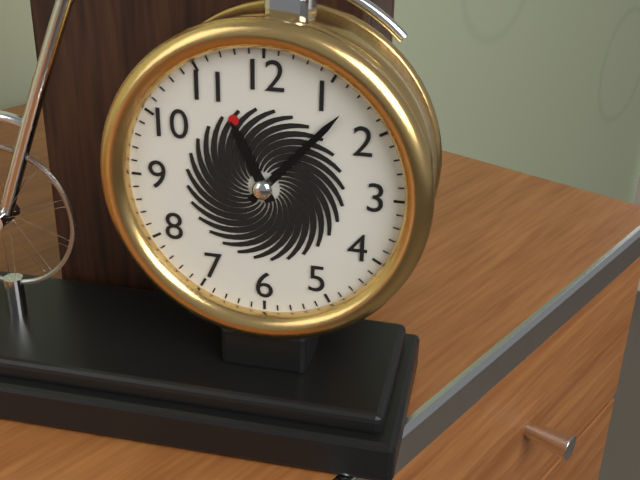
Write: 11,07
